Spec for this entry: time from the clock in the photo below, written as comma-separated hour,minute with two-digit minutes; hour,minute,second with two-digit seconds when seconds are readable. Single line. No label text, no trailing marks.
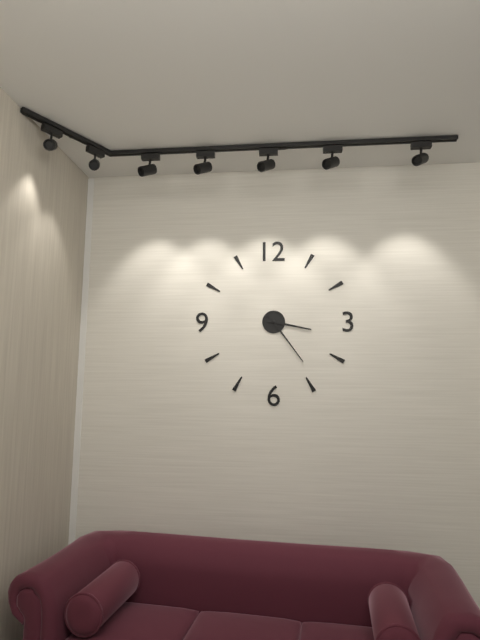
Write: 3,24
